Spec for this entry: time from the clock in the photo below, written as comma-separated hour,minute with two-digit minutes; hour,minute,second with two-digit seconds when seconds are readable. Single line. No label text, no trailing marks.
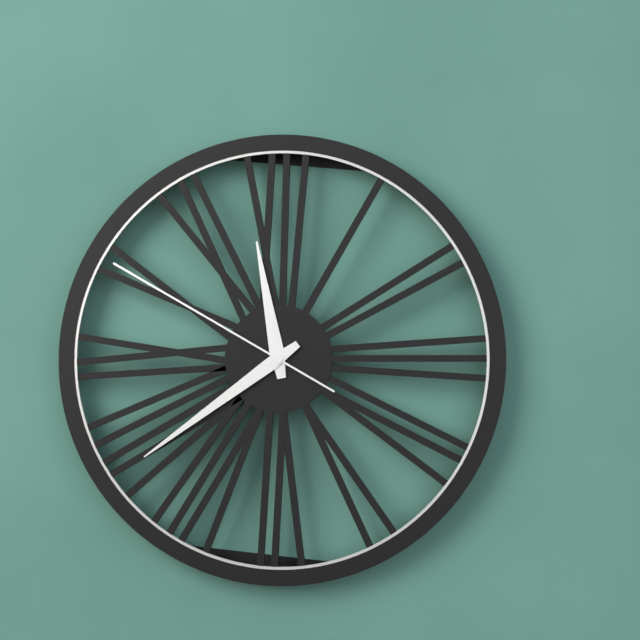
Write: 11,39,50
